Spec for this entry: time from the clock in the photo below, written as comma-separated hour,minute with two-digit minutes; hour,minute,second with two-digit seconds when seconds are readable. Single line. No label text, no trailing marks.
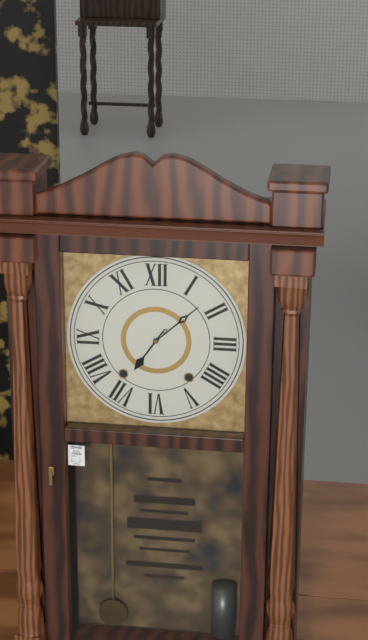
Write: 7,08
